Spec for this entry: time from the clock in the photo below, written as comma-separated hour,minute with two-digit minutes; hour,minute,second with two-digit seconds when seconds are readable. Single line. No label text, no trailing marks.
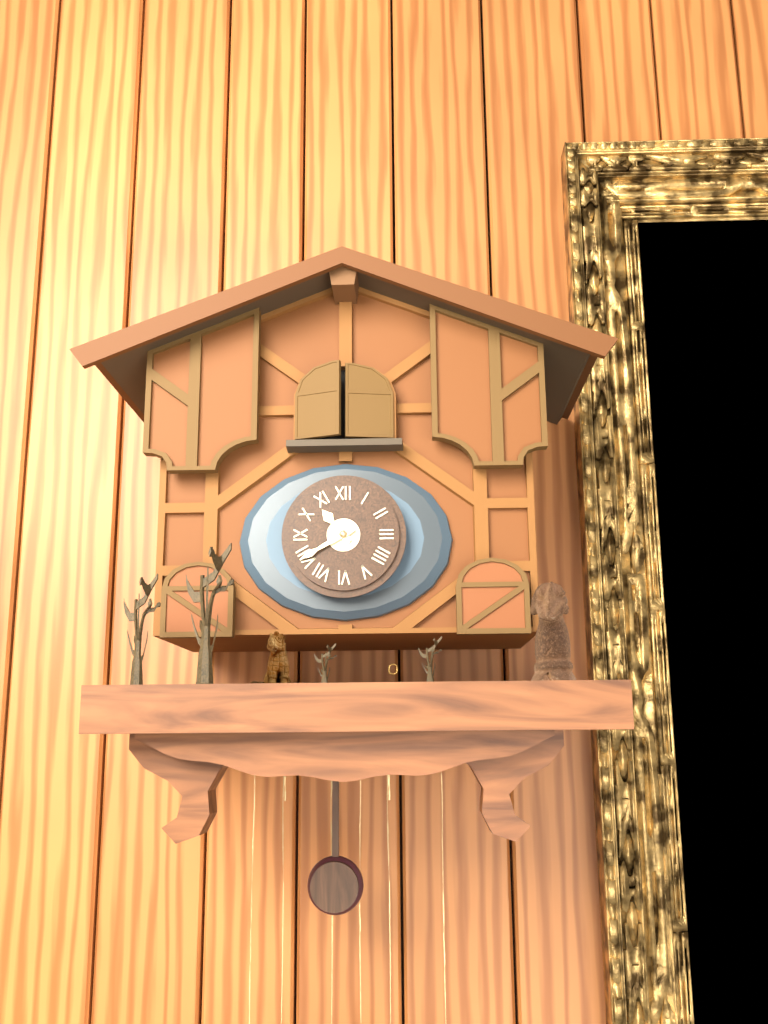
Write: 10,40
